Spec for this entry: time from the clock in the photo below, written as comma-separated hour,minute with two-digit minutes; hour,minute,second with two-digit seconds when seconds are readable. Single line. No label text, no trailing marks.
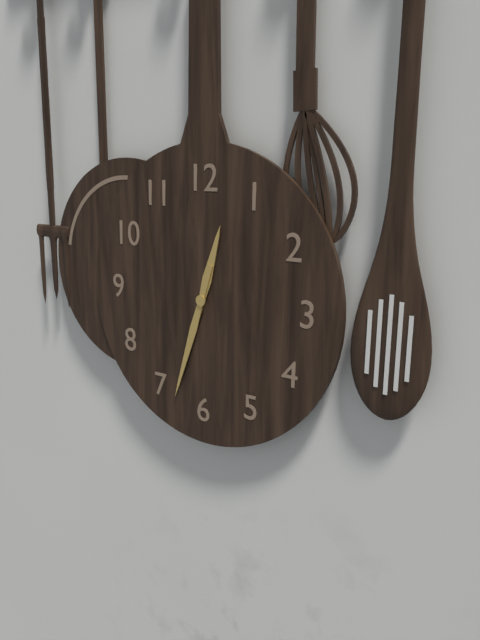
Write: 12,33
